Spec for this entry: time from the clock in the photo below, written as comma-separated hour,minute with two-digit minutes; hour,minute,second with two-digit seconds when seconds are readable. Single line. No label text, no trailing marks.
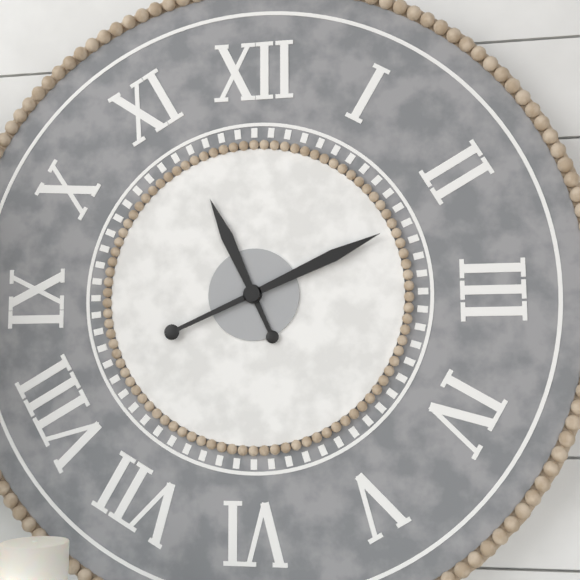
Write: 11,11
